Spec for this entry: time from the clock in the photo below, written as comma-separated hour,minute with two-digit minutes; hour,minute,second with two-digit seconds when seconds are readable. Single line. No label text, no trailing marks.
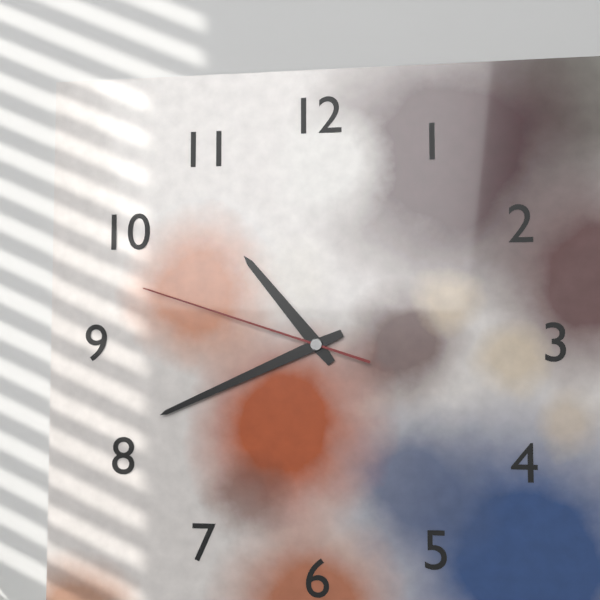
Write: 10,41,48
